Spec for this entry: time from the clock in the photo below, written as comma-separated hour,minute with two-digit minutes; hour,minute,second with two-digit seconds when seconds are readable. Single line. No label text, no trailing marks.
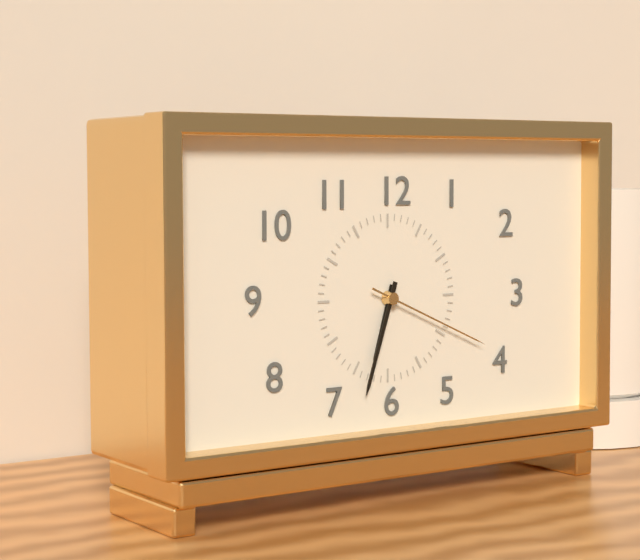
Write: 6,33,19
